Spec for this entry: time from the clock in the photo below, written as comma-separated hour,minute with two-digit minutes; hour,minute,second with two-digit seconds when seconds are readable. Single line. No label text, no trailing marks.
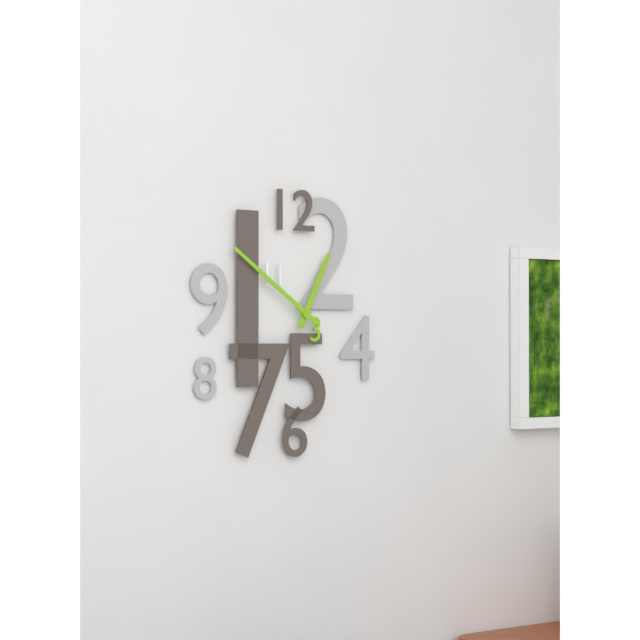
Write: 12,51
